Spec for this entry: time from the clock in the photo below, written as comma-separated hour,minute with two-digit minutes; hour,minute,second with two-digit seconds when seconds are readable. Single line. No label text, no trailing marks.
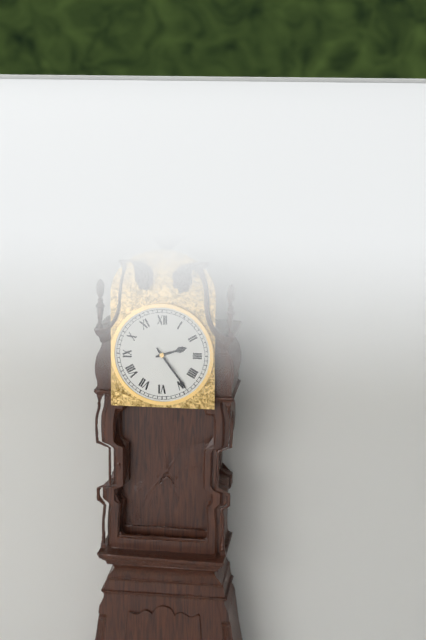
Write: 2,24
